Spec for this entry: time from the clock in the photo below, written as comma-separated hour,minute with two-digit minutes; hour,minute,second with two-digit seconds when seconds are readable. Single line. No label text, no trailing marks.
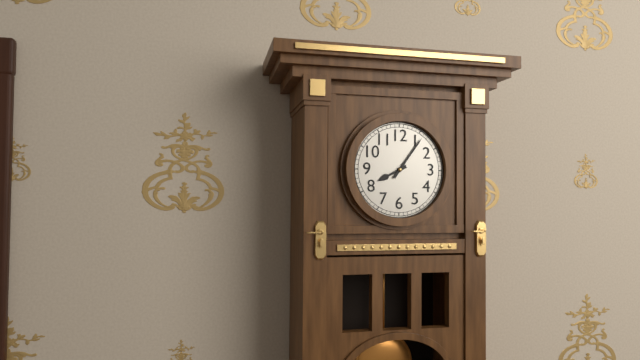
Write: 8,06
